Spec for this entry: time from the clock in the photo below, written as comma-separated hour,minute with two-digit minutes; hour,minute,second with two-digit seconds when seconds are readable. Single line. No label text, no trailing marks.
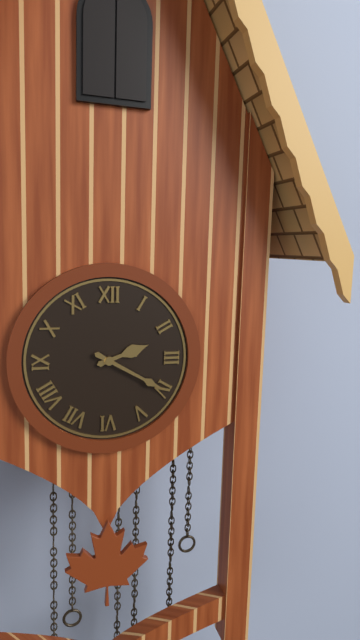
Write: 2,20
